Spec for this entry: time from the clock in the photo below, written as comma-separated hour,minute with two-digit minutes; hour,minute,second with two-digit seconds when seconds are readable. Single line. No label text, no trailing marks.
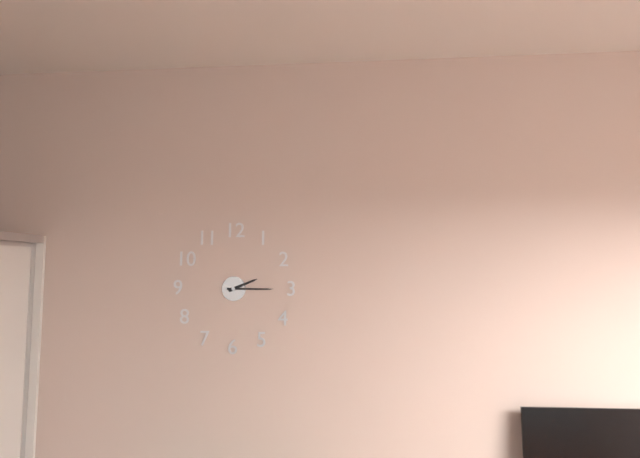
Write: 2,15
